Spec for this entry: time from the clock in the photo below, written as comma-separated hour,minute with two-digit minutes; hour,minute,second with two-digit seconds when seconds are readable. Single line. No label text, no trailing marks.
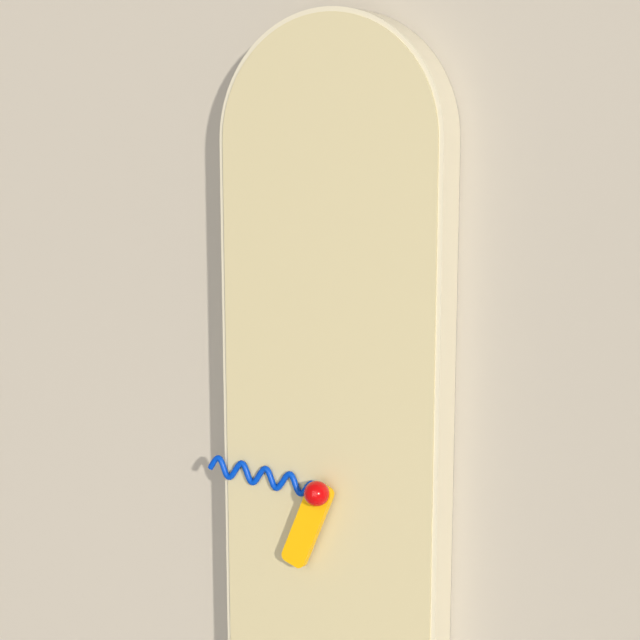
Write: 6,46
